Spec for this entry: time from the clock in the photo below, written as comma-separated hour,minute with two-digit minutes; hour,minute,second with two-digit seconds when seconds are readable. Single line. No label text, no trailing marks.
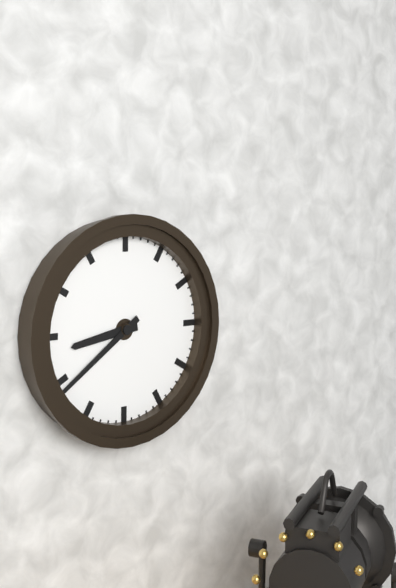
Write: 8,39
